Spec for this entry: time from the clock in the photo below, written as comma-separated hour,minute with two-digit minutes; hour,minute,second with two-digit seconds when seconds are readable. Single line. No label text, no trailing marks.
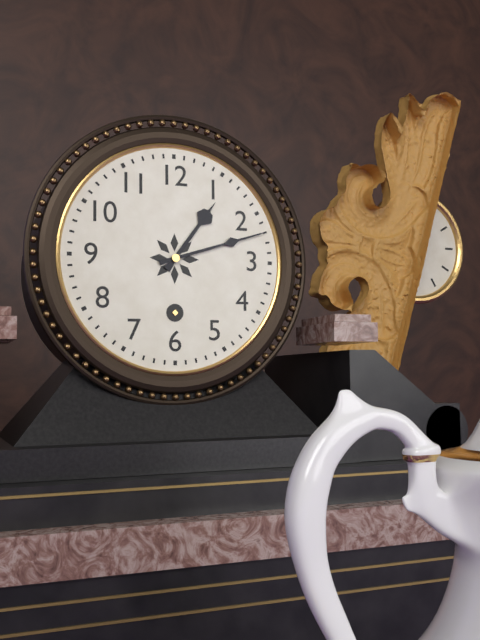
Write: 1,12
